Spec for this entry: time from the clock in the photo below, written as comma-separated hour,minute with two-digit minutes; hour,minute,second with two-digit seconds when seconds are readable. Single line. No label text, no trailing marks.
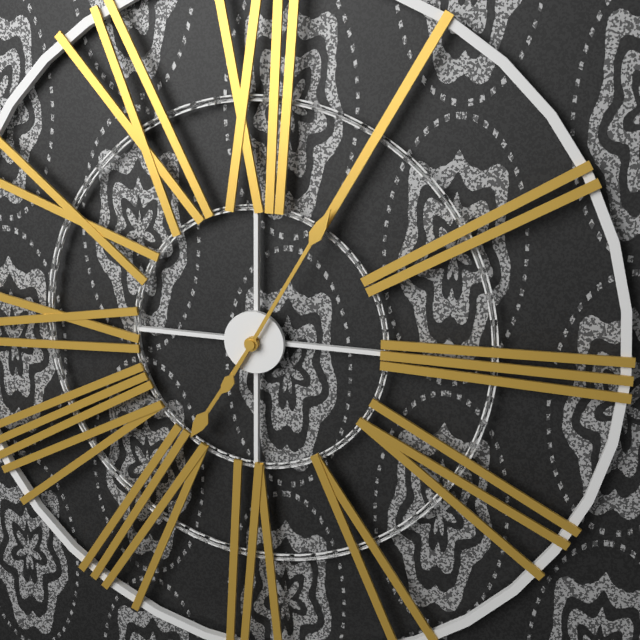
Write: 7,05
